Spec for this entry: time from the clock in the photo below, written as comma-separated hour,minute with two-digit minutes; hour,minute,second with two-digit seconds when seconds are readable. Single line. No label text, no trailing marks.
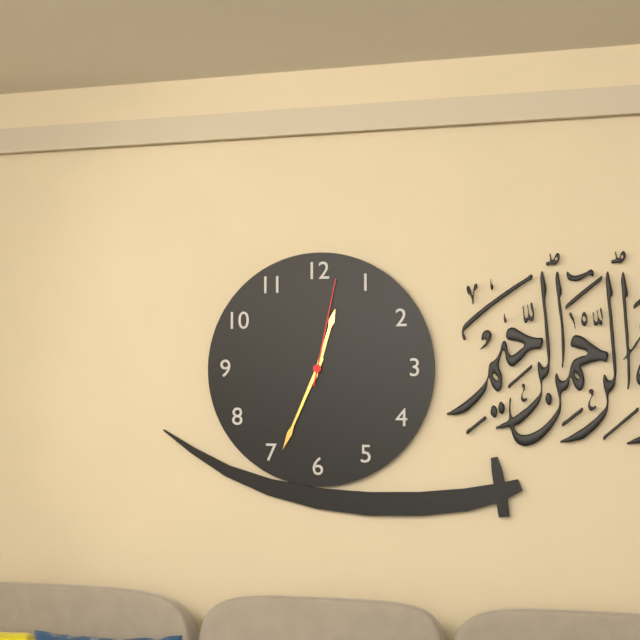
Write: 12,34,02
